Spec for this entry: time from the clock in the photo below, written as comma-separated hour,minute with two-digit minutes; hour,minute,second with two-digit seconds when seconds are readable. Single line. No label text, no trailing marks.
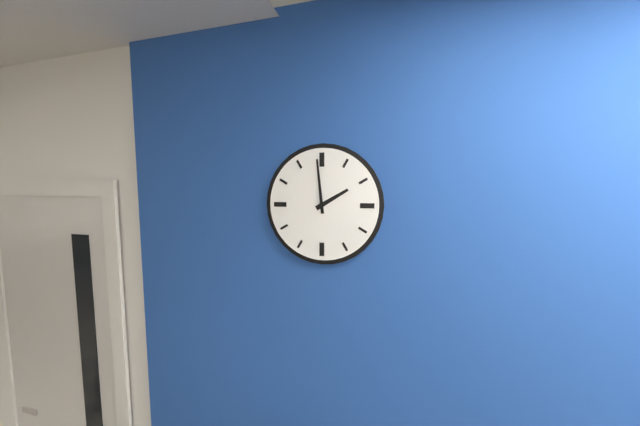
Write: 1,59
